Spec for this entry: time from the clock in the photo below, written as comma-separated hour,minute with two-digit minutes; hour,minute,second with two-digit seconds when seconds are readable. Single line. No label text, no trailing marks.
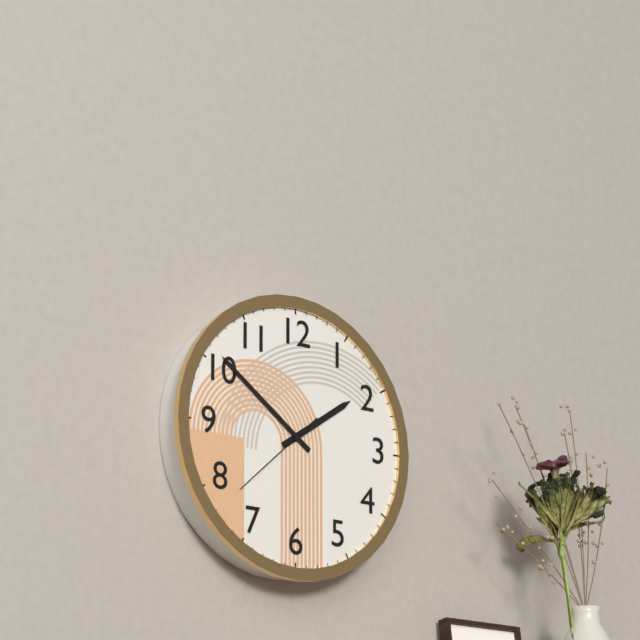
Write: 1,51,38
